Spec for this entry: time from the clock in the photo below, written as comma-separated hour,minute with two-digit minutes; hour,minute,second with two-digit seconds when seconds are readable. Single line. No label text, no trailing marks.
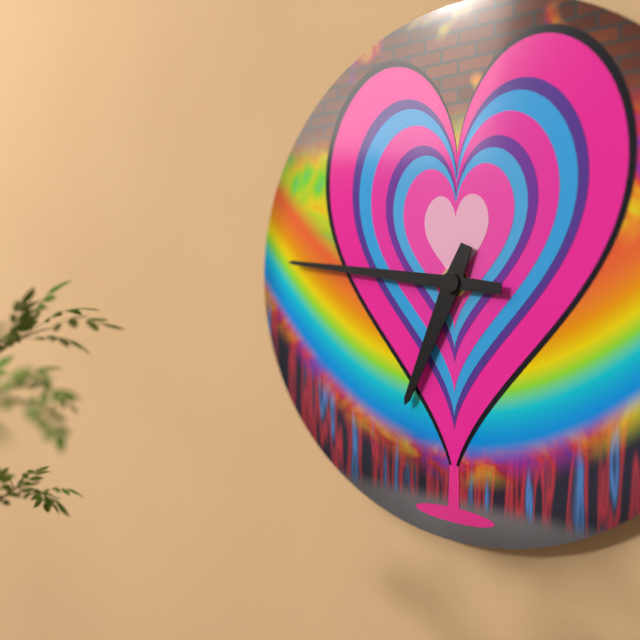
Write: 6,46
